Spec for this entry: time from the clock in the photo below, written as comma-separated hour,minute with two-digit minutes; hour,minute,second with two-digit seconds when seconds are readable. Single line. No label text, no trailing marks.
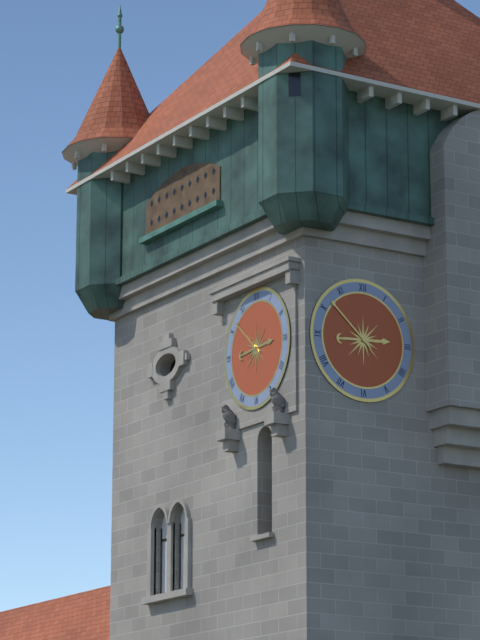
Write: 2,52
